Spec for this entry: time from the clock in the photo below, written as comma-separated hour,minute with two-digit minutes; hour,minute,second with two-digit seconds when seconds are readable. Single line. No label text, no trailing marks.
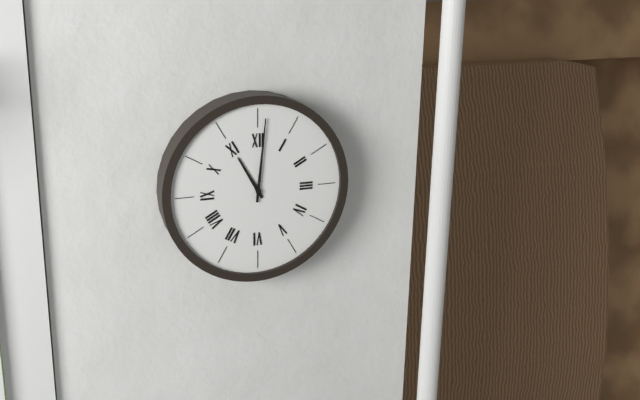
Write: 11,01
